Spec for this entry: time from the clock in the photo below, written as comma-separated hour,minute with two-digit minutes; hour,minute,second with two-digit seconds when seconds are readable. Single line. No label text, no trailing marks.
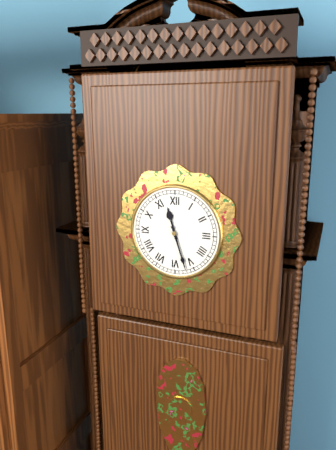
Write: 11,27
